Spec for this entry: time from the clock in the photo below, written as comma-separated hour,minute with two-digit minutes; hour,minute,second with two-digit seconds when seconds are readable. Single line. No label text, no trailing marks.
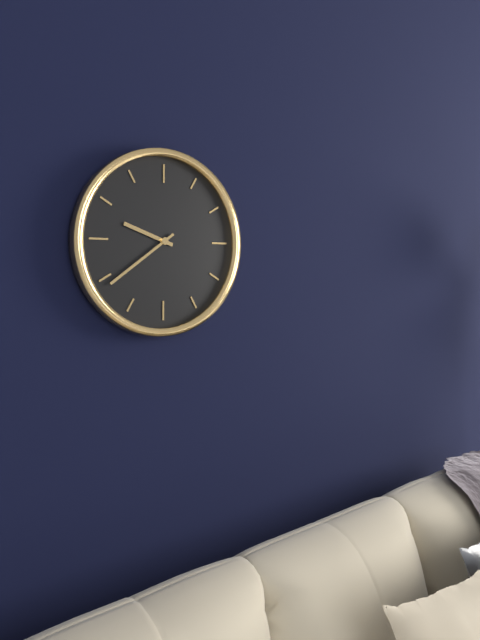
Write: 9,39
